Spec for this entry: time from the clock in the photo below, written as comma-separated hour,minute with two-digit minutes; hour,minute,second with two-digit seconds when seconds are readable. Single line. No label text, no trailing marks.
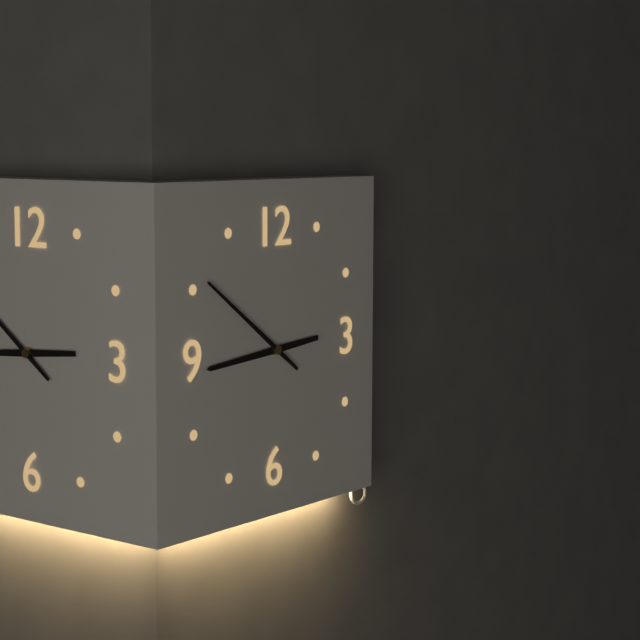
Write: 8,51
